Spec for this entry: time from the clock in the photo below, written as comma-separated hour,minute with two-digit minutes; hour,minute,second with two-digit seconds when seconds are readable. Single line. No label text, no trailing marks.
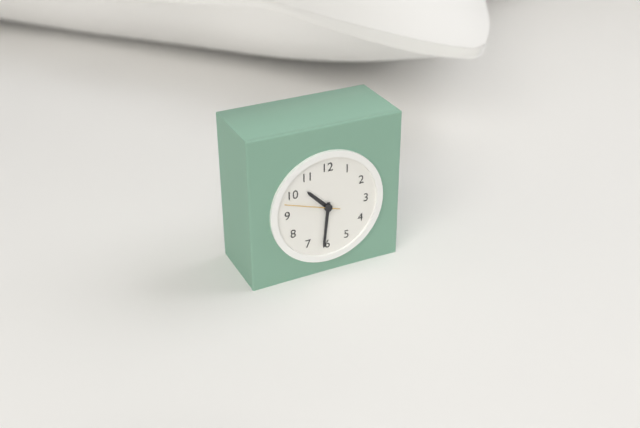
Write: 10,31,48
